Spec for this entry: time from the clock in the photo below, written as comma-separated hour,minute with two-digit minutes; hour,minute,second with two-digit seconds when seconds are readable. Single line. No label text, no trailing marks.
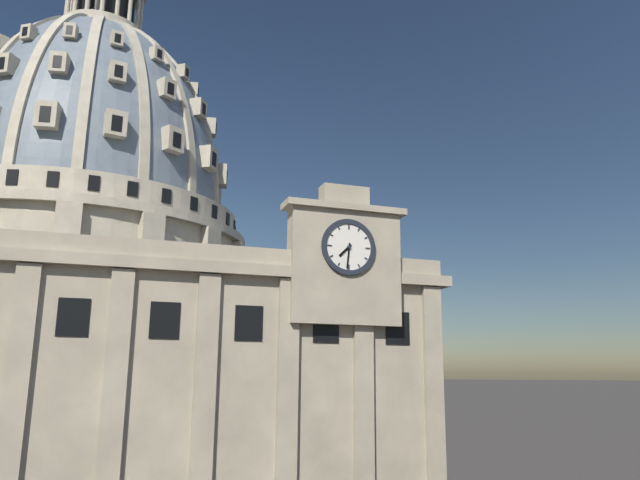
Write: 7,31
